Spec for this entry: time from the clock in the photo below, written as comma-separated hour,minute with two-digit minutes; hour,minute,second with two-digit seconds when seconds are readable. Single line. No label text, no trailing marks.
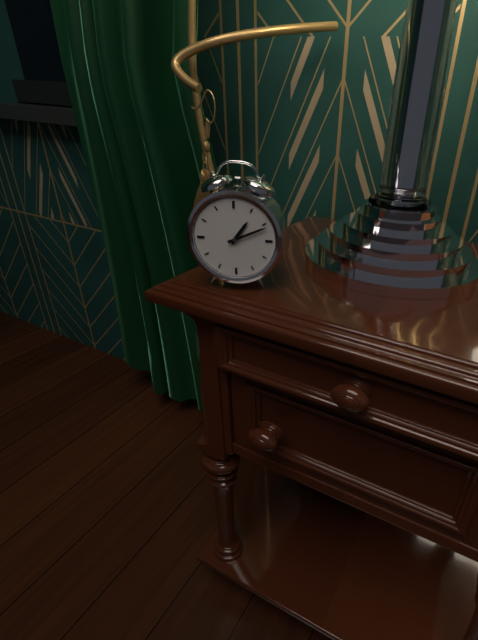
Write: 1,11
